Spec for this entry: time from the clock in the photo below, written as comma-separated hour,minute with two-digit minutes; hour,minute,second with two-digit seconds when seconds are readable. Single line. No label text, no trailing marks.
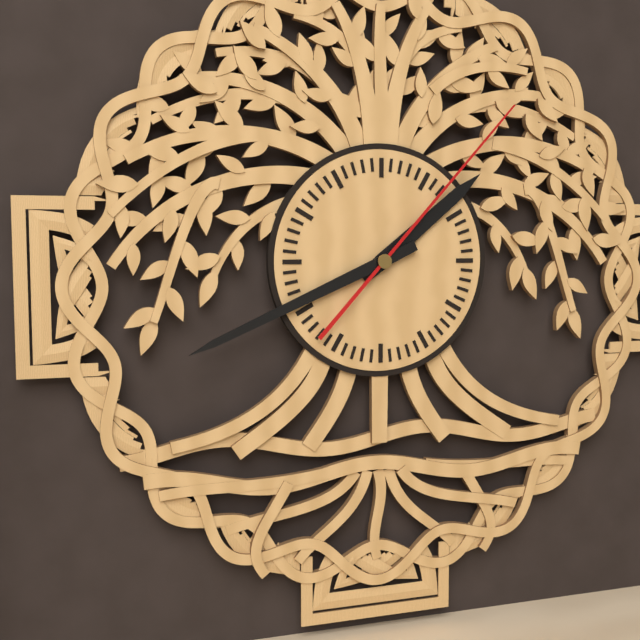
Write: 1,41,07
